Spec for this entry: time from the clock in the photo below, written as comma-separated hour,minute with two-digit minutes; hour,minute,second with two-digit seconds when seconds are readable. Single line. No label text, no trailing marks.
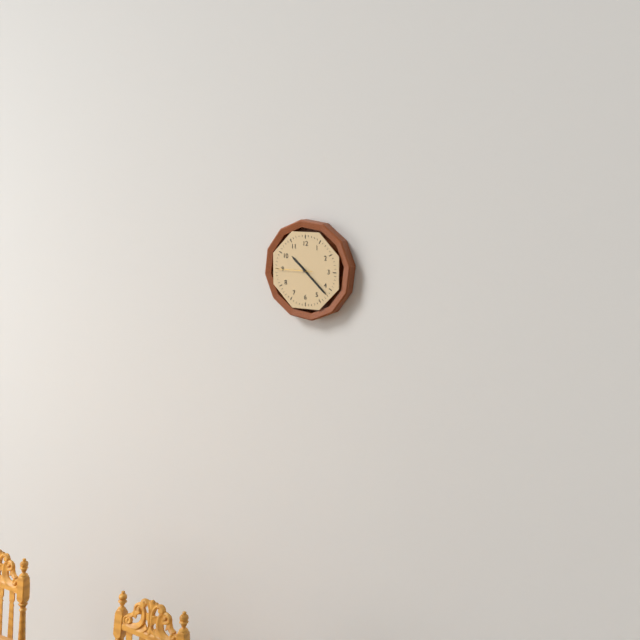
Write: 10,22
